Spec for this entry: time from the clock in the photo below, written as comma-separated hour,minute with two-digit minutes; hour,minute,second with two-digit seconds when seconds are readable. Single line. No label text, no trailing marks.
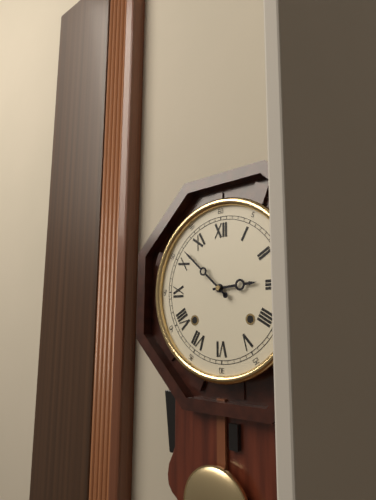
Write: 2,52
